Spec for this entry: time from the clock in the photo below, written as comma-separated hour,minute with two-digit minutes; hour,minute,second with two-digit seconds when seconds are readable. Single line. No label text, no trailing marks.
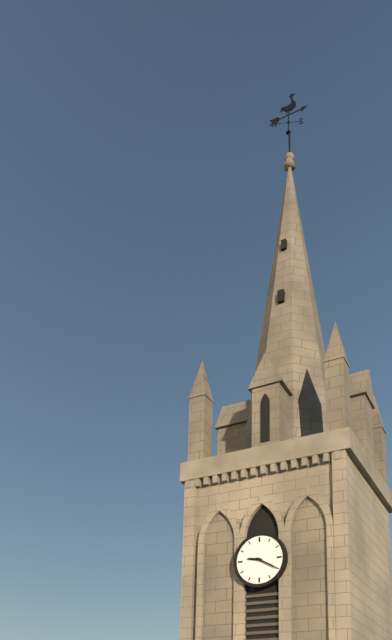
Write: 9,20
